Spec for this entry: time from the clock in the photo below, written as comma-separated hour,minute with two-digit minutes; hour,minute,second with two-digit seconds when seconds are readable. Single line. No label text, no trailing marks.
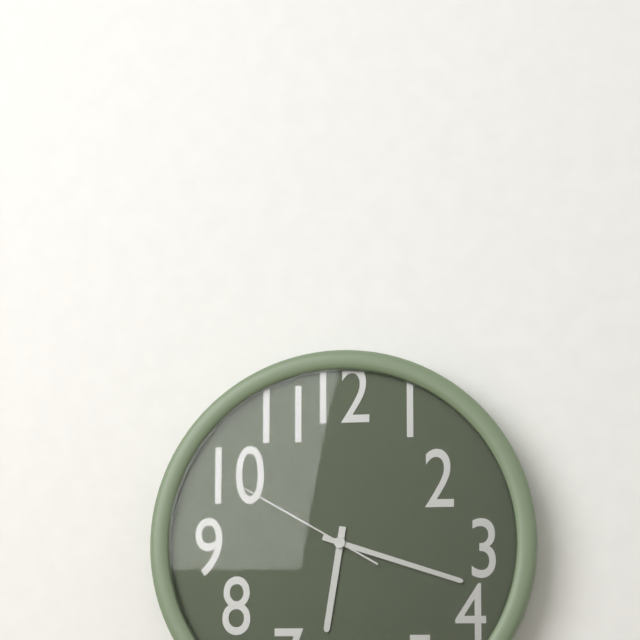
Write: 6,18,50
